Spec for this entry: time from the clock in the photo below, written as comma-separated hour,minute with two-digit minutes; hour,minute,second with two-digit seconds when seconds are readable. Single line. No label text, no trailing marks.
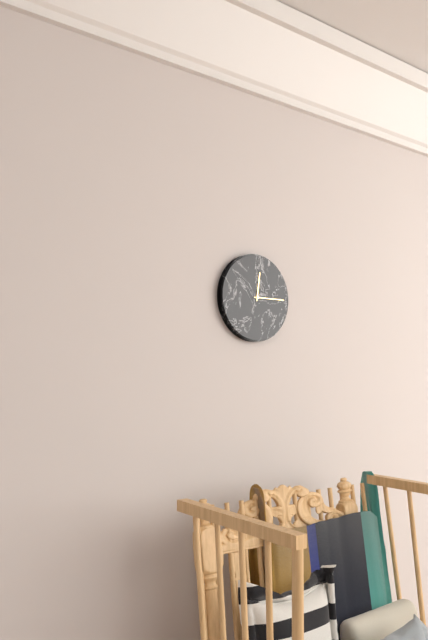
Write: 12,15
